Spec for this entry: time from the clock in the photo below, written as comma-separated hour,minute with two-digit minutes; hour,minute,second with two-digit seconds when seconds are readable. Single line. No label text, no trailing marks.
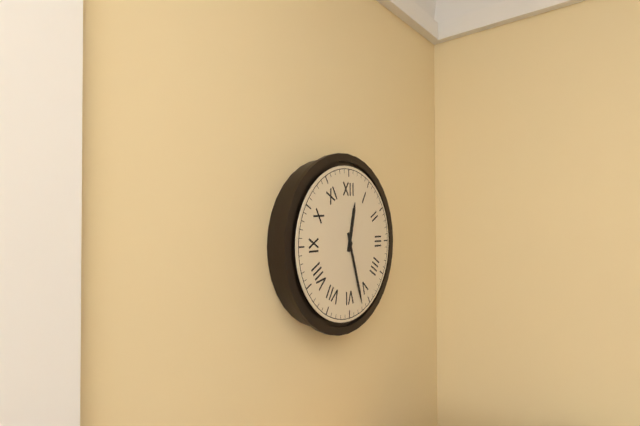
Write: 12,27
